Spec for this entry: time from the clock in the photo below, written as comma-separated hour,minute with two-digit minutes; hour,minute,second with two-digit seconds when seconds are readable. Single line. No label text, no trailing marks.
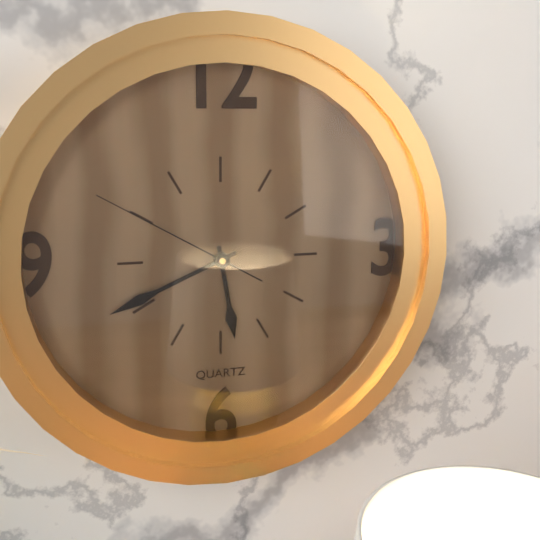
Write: 5,41,50
